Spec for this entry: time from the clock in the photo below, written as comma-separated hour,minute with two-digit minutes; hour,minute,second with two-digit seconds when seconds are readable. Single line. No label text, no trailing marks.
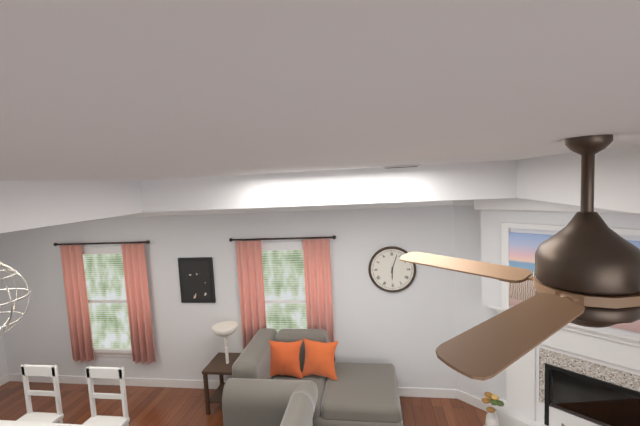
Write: 6,03
